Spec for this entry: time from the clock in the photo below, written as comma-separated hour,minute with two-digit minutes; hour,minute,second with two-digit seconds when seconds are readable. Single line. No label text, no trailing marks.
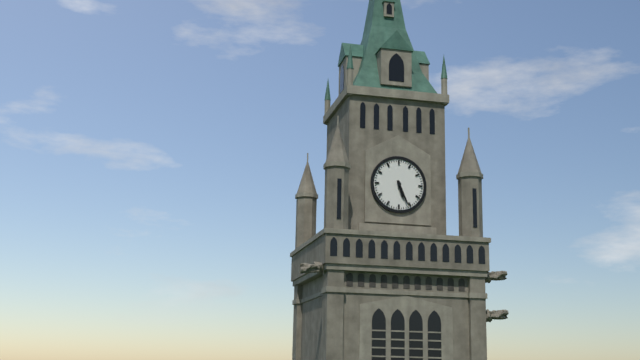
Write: 5,26
